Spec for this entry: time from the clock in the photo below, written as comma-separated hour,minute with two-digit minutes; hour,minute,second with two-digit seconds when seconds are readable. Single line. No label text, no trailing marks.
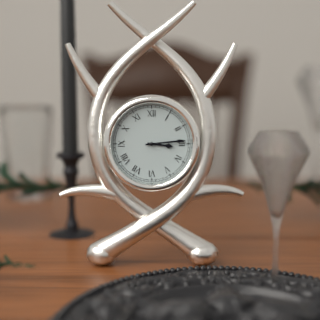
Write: 3,14
